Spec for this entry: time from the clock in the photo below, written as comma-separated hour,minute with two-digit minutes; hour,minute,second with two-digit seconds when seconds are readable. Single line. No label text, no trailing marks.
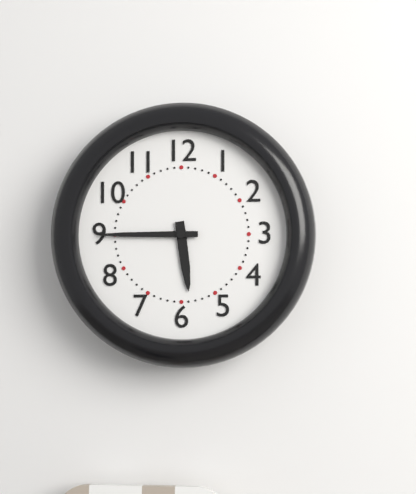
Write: 5,45
